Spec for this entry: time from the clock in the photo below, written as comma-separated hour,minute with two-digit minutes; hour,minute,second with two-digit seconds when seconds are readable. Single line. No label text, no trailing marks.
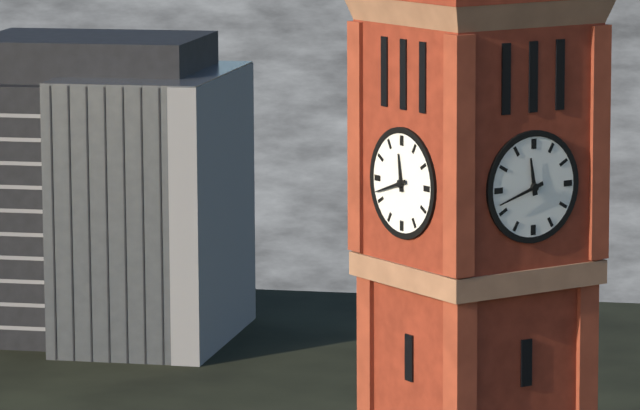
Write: 11,42
